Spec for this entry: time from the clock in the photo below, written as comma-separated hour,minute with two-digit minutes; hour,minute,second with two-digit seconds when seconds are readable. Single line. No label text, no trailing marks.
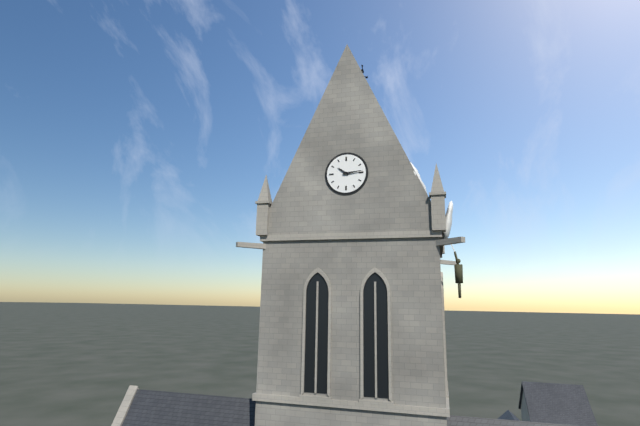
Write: 10,14
